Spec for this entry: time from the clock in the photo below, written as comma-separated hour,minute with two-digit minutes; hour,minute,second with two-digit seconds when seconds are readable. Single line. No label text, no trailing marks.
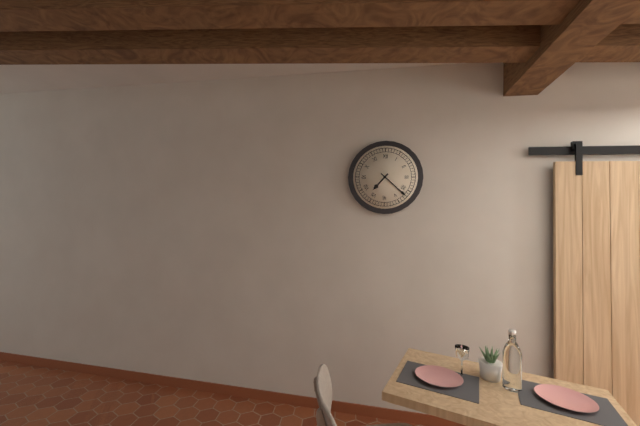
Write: 7,22
